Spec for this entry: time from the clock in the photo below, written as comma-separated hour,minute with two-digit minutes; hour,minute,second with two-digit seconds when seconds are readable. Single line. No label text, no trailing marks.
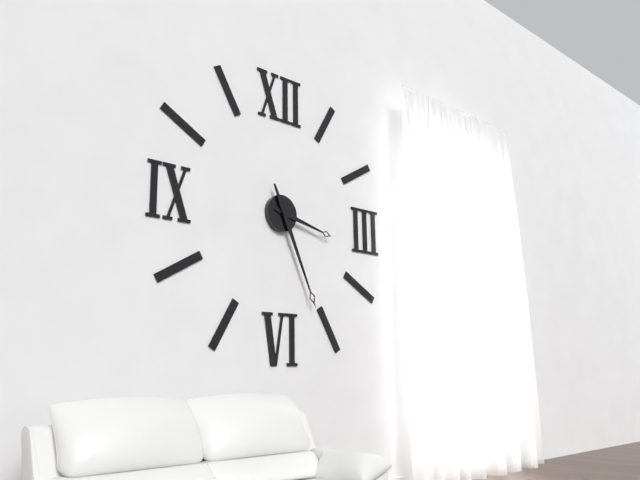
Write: 3,26
